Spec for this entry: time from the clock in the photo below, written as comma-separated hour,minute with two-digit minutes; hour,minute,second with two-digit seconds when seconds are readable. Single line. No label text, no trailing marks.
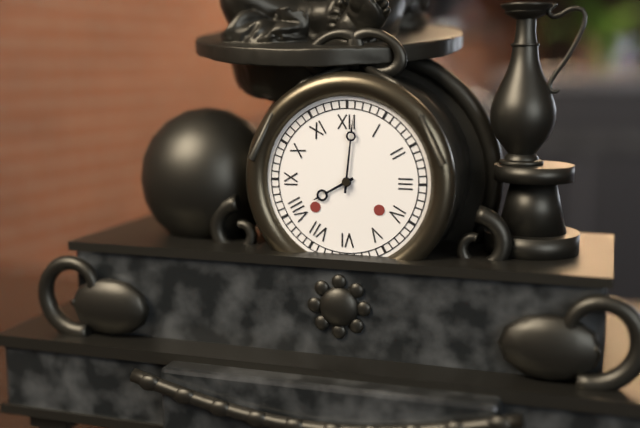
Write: 8,01
